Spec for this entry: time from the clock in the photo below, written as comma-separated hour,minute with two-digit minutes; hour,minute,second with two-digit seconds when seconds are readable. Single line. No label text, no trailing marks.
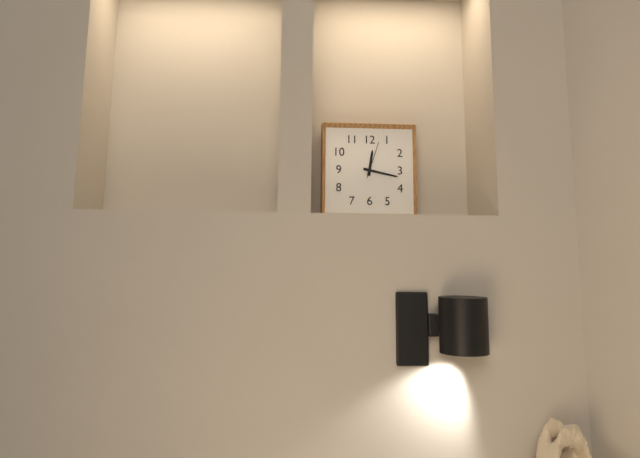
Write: 12,17
